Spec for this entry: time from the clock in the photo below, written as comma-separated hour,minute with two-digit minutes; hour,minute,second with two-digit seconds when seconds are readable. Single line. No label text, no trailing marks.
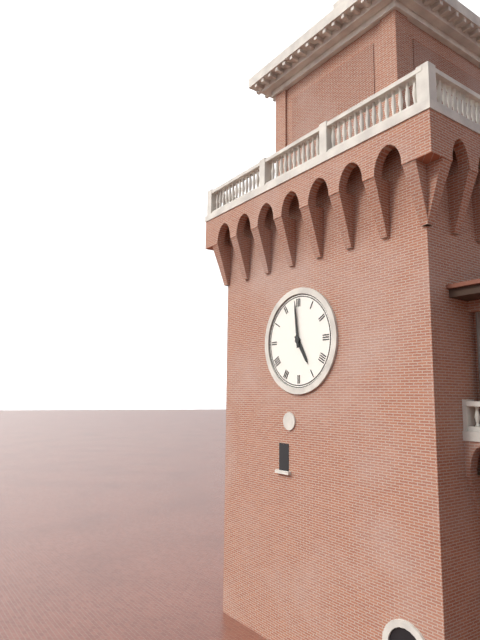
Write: 4,59
